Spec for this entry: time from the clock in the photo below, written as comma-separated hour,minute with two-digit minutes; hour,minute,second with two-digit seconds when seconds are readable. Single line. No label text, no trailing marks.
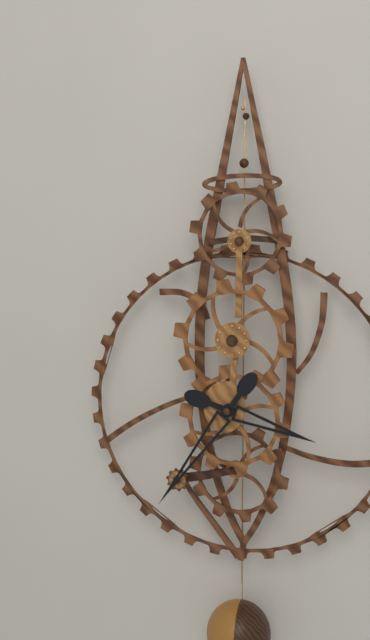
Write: 3,36
